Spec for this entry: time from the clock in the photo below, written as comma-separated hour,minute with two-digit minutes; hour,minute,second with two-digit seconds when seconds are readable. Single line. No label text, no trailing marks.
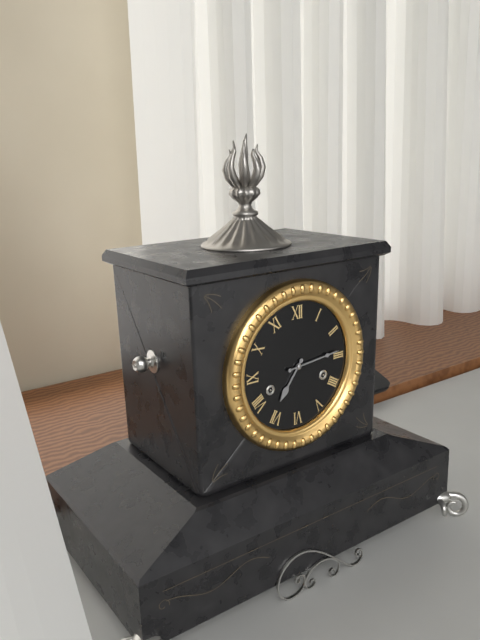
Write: 7,14
